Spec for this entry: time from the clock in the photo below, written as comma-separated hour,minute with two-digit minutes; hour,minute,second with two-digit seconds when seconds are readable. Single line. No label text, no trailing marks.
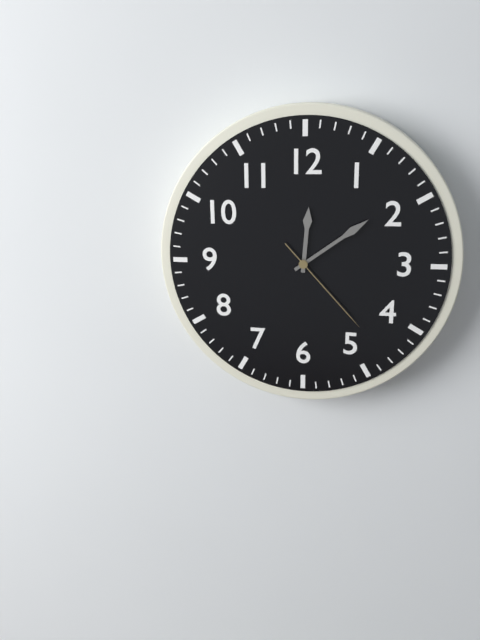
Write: 12,09,23
